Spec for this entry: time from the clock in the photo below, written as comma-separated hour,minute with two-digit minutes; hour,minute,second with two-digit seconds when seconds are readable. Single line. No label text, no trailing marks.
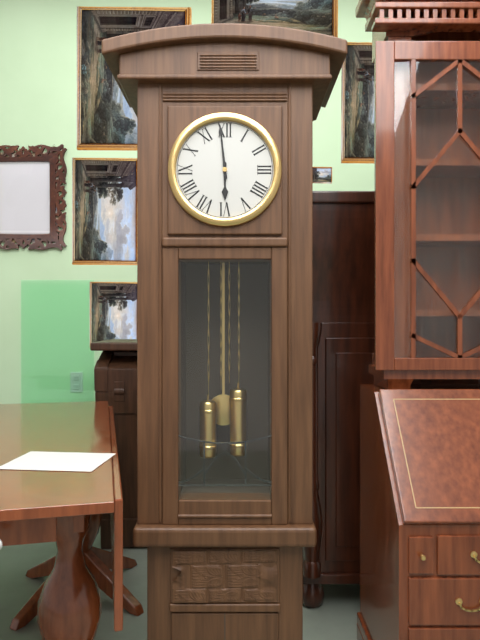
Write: 5,59
